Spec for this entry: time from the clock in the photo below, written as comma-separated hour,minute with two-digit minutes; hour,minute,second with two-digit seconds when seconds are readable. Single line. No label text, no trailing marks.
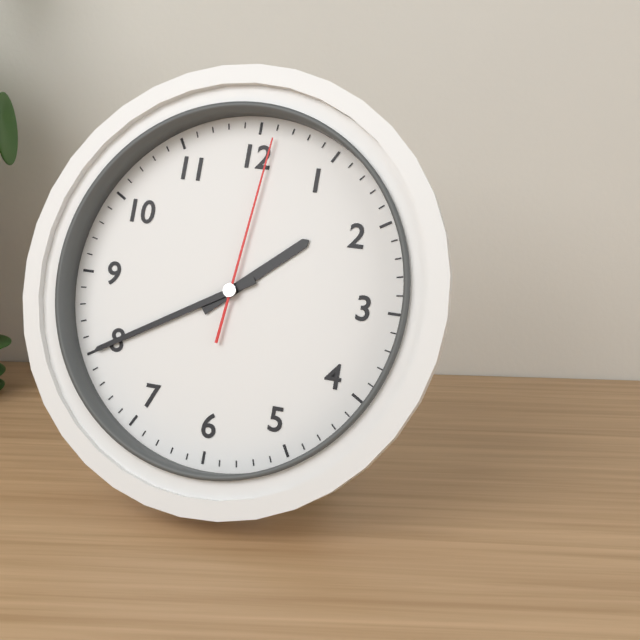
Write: 1,40,01
